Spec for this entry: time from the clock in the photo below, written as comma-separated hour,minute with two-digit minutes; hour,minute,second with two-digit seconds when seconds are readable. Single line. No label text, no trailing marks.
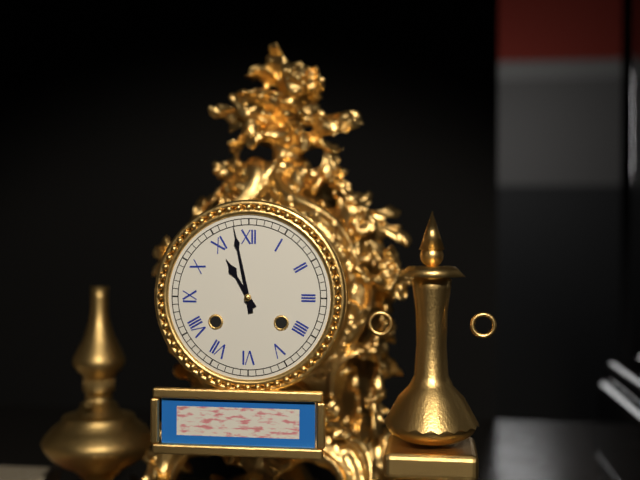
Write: 10,58
